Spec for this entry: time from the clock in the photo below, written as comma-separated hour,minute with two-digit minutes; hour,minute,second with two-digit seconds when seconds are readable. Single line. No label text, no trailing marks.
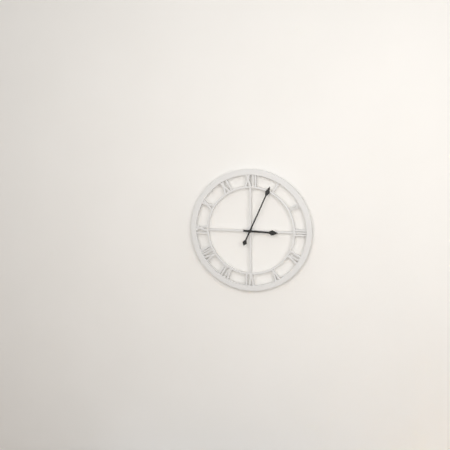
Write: 3,04
